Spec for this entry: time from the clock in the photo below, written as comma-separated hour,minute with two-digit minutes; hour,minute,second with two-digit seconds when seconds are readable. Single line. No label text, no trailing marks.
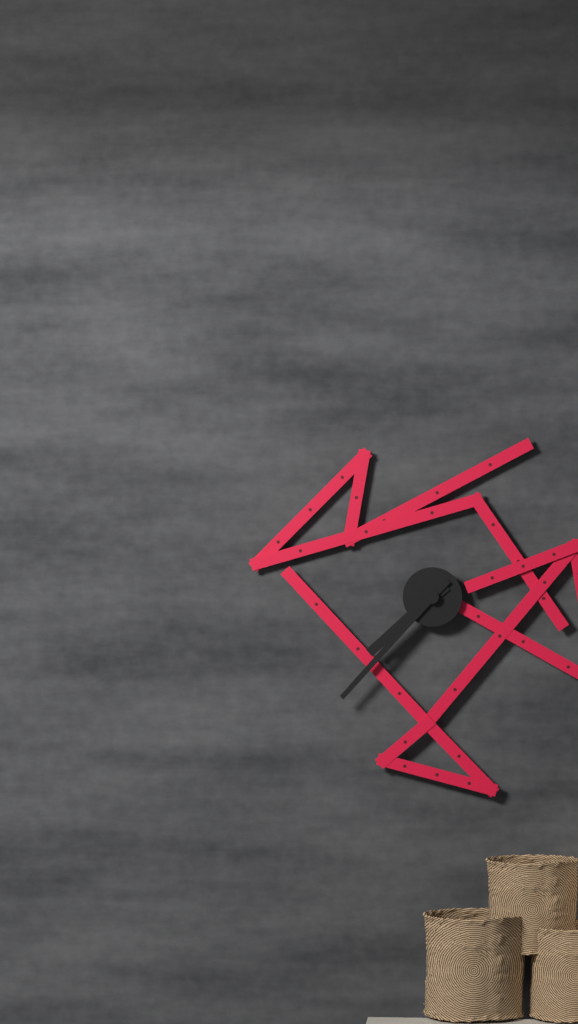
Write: 7,37
